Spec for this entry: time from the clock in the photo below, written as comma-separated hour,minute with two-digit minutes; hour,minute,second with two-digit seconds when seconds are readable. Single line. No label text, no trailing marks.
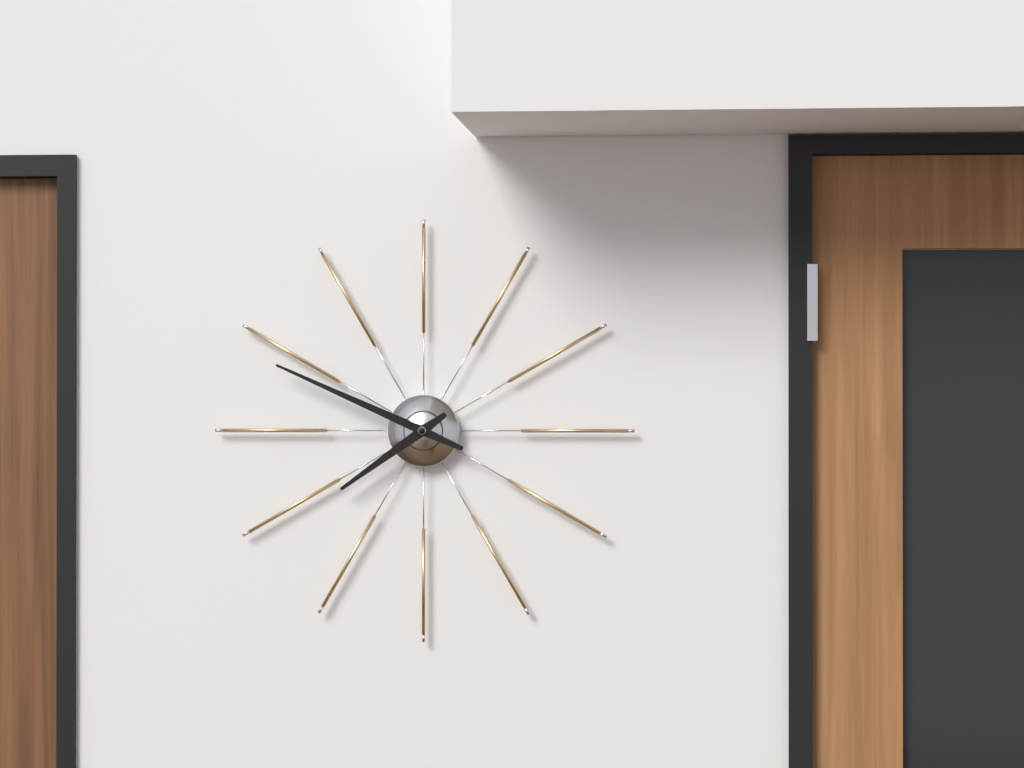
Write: 7,49
